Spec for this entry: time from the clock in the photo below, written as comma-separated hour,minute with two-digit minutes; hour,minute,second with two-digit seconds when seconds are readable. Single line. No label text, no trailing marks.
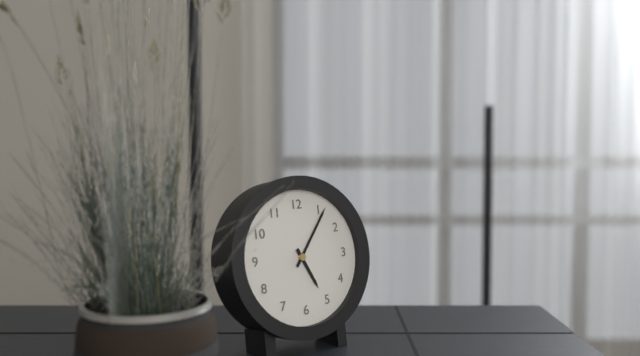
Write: 5,06
